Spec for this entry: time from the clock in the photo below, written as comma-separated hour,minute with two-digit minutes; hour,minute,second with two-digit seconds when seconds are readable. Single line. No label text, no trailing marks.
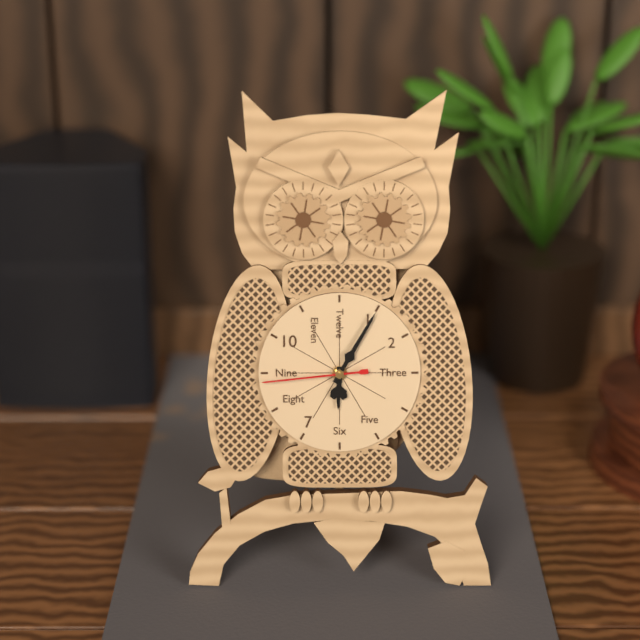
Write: 6,05,44
